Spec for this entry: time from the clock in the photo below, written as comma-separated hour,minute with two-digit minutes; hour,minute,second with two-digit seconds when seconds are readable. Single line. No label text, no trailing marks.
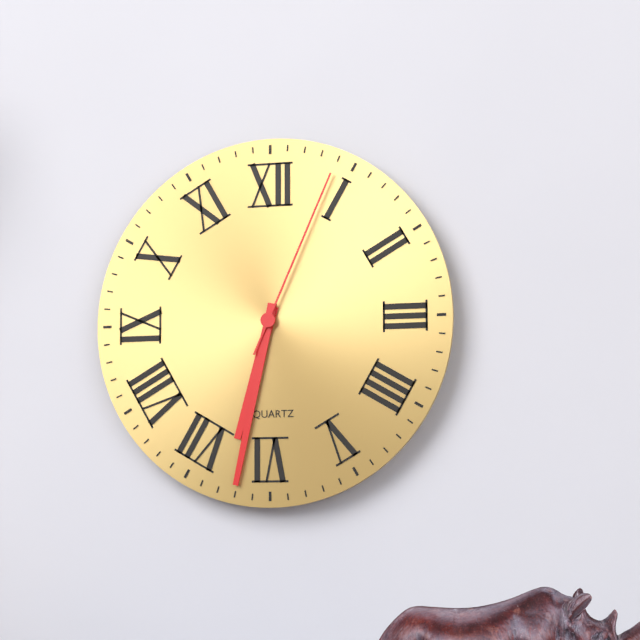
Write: 6,32,04
